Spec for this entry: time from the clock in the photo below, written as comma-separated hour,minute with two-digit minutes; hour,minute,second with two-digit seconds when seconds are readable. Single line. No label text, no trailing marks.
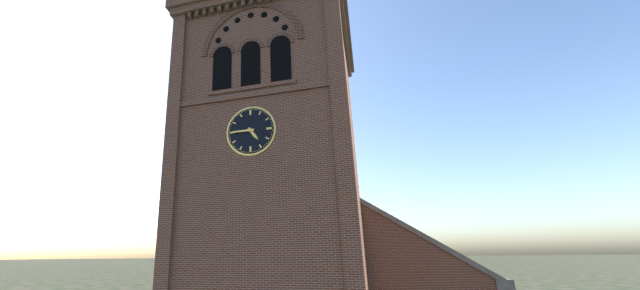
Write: 4,45
